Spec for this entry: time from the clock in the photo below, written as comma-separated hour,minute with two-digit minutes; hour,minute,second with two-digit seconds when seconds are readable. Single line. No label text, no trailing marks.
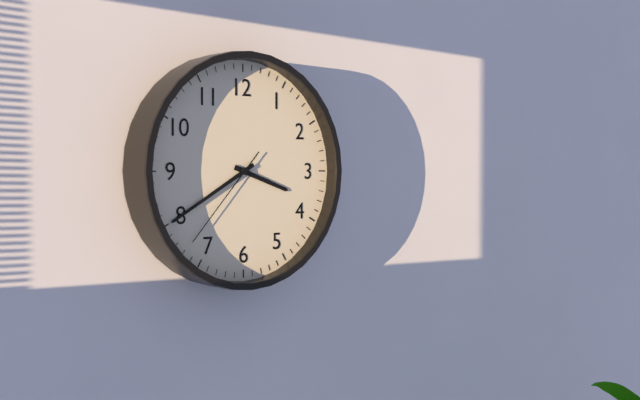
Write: 3,40,37
